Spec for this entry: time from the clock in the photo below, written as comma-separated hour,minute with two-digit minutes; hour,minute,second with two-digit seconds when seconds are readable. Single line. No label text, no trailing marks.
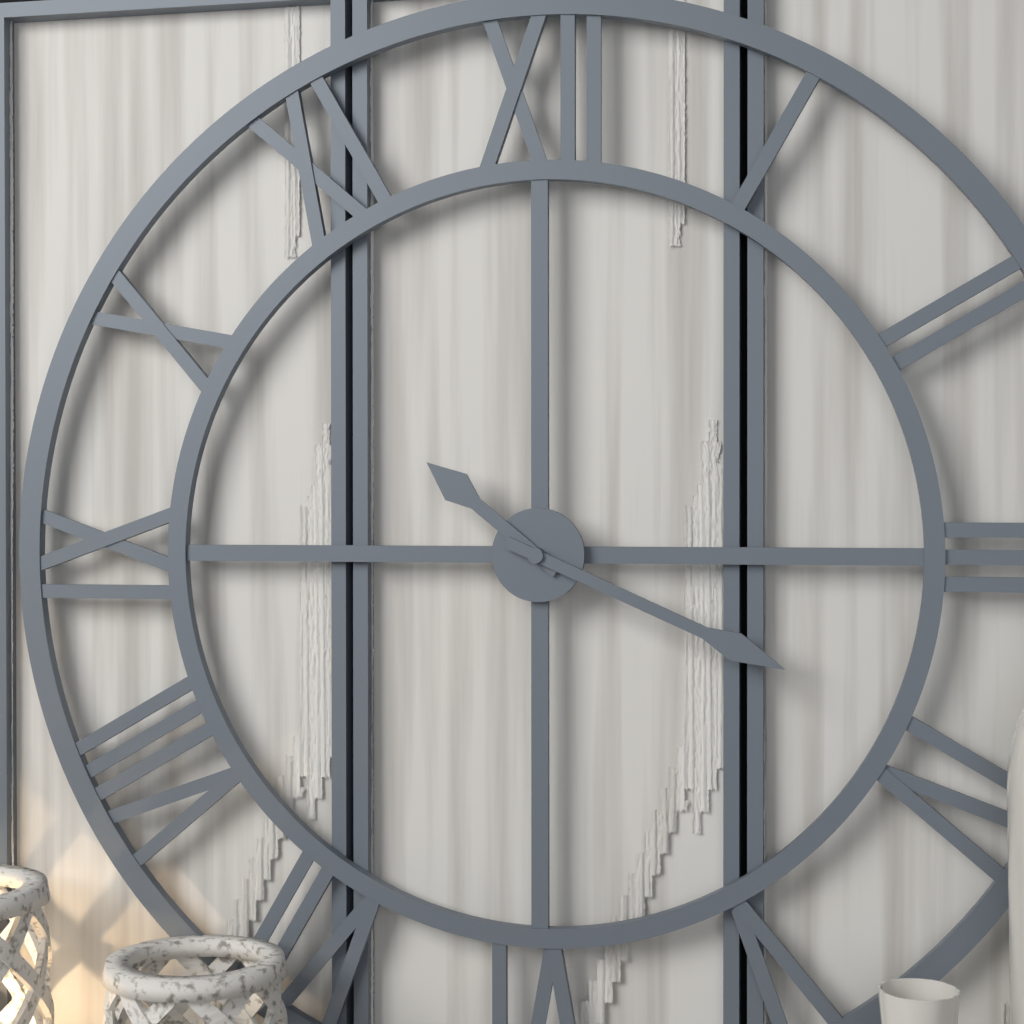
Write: 10,19
